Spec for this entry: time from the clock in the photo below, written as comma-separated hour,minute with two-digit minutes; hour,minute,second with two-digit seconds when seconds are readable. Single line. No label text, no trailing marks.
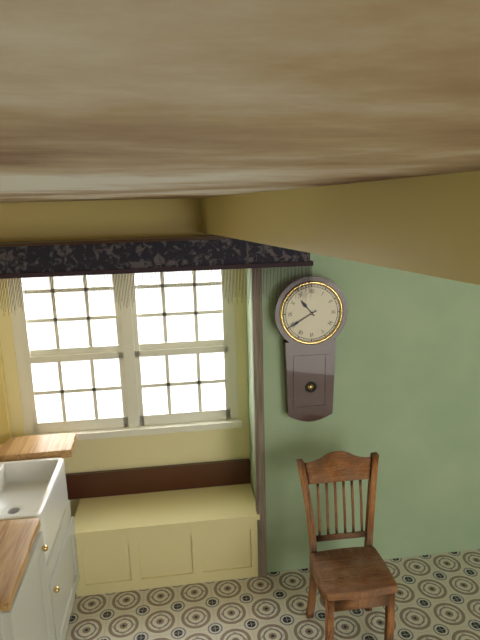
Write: 10,40
